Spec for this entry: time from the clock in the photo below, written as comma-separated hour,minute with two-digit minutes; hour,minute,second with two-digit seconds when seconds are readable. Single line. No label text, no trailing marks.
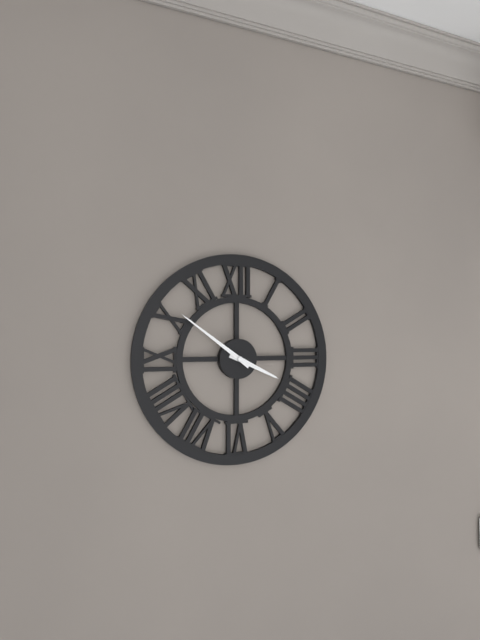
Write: 3,51
